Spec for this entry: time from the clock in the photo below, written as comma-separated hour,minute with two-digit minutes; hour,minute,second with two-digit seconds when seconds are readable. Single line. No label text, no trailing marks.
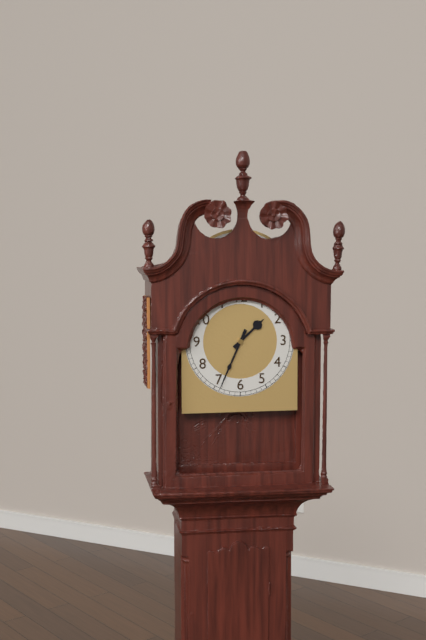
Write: 1,34
